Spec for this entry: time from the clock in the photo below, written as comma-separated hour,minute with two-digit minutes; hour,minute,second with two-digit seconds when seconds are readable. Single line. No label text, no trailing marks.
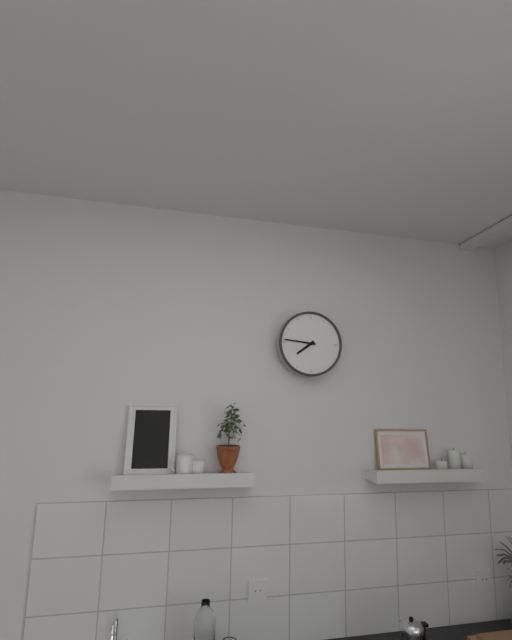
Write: 7,46
